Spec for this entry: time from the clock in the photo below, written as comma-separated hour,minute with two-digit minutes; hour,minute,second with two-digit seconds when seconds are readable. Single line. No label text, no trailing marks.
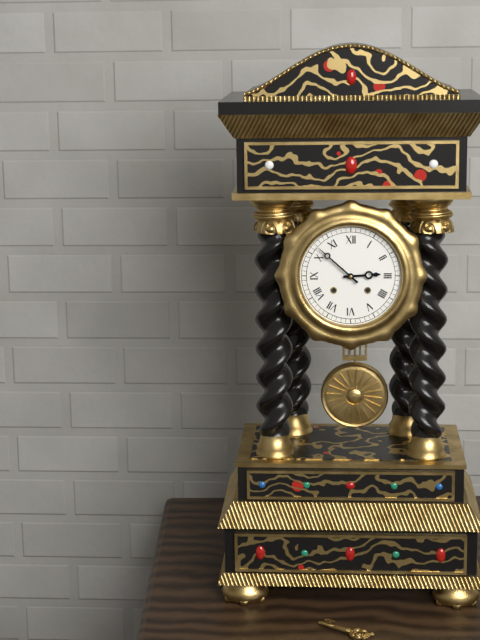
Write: 2,52
